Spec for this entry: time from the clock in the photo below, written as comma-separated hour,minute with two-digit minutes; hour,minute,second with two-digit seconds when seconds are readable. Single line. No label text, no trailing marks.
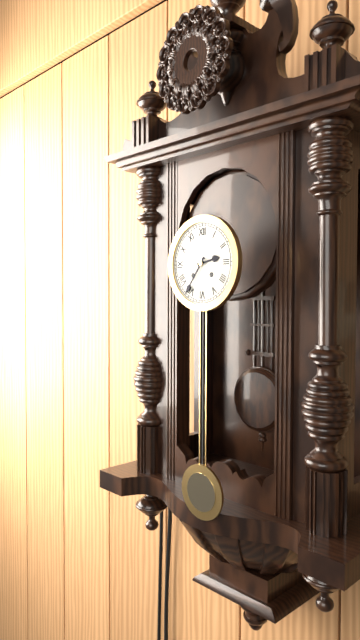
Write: 2,36
